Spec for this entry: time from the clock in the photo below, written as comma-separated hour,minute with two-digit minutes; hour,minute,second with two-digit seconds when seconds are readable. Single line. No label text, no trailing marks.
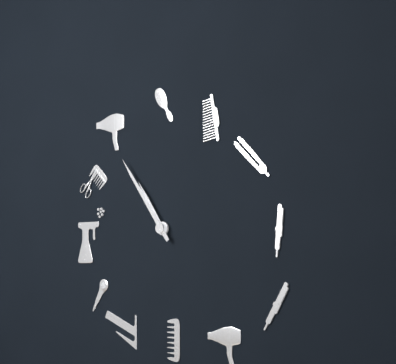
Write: 10,54
